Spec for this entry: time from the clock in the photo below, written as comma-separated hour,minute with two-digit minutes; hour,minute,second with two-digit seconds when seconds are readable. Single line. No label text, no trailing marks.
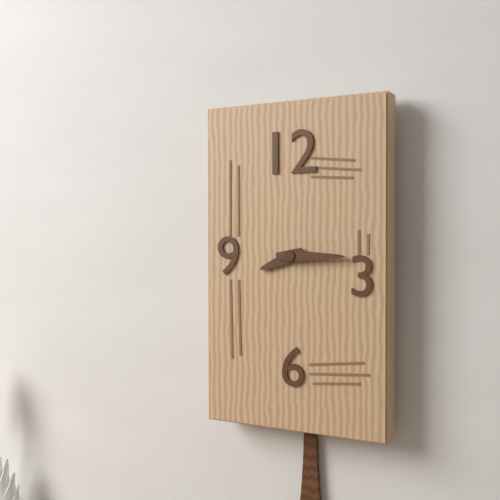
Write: 8,15
